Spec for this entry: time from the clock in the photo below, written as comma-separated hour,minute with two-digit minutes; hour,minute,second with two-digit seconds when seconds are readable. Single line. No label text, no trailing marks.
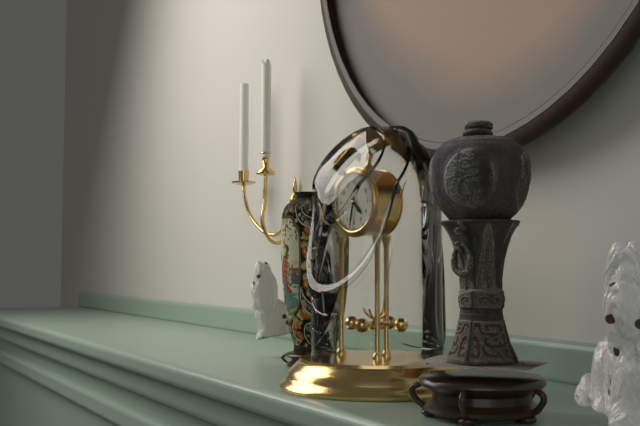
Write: 4,32
